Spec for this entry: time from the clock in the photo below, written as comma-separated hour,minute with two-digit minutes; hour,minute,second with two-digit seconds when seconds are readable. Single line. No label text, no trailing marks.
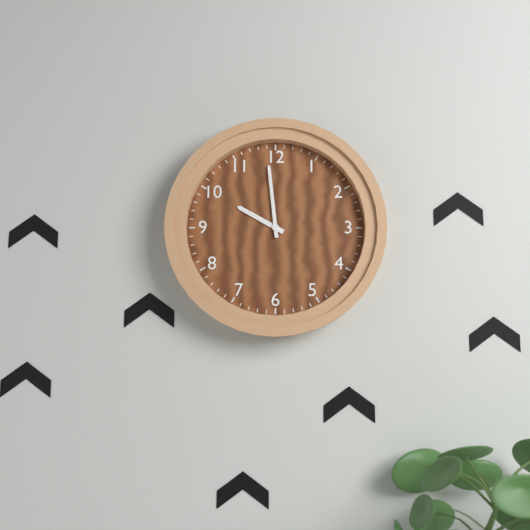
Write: 9,59
